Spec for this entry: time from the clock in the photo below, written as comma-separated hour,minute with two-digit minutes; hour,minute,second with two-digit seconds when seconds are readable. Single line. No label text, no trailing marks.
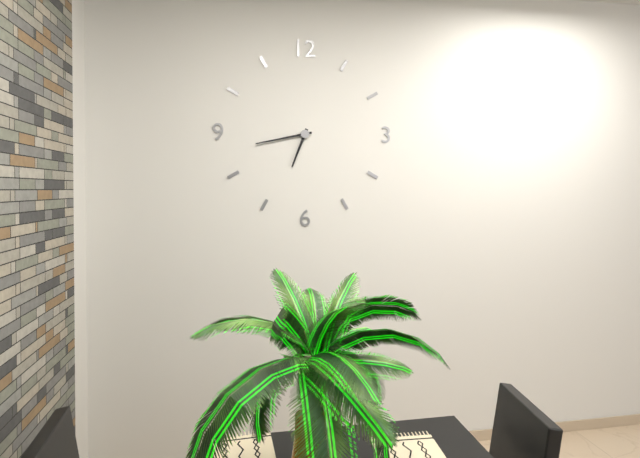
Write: 6,43
